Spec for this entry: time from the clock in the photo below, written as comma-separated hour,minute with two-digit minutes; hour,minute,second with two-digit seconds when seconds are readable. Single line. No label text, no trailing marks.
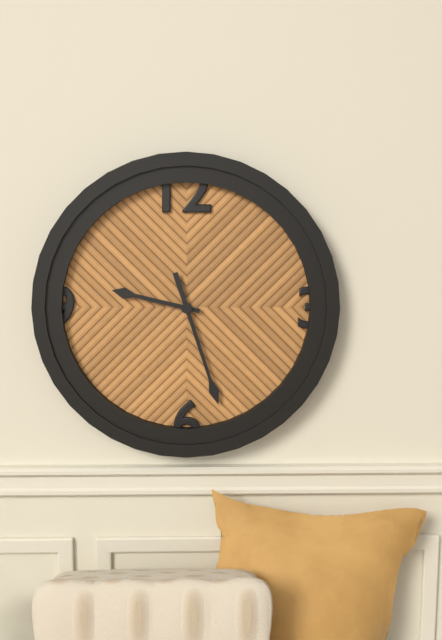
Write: 9,27
